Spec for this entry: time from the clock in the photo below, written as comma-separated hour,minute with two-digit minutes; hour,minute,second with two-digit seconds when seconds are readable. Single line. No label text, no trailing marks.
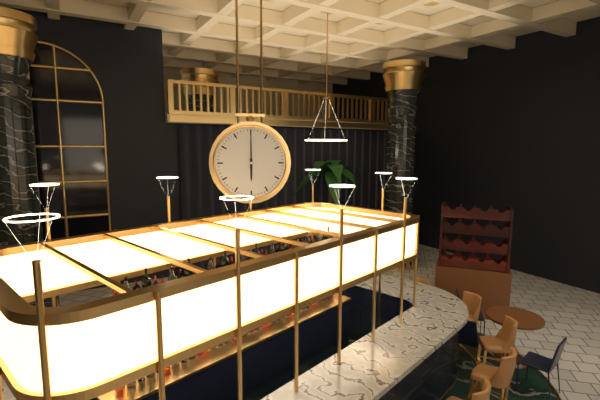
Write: 6,00
